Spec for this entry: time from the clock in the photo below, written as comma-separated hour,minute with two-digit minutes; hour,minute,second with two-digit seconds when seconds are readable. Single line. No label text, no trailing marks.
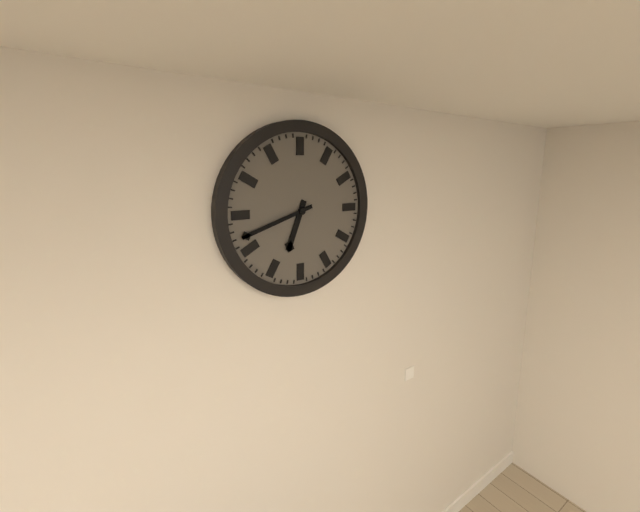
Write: 6,42
